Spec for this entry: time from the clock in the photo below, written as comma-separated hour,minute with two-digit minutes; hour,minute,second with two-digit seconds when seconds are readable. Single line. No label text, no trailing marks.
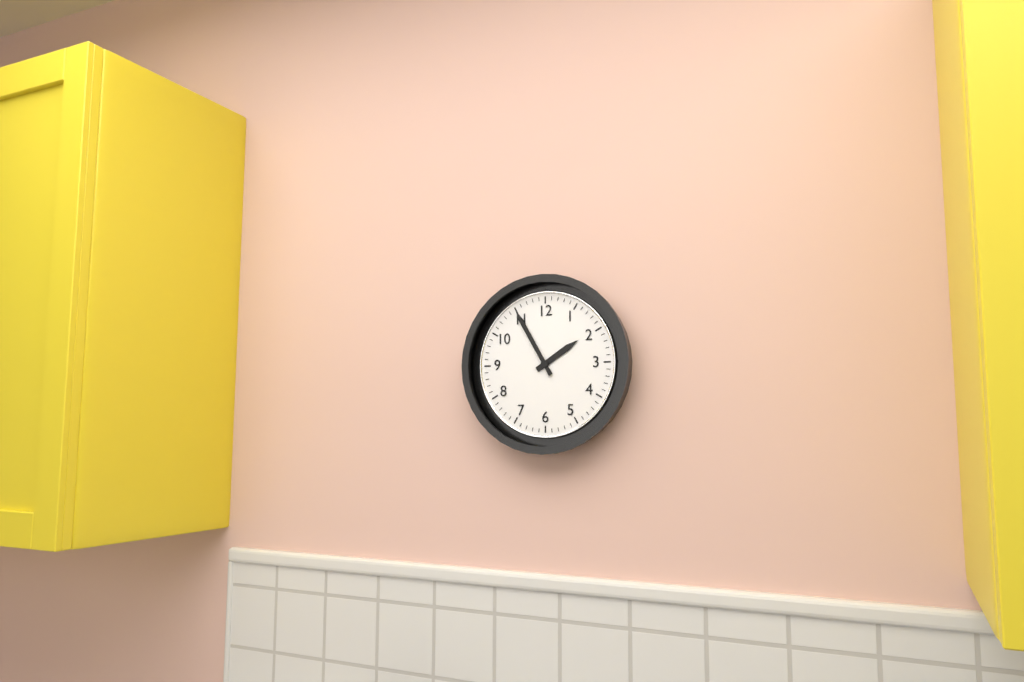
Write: 1,55
